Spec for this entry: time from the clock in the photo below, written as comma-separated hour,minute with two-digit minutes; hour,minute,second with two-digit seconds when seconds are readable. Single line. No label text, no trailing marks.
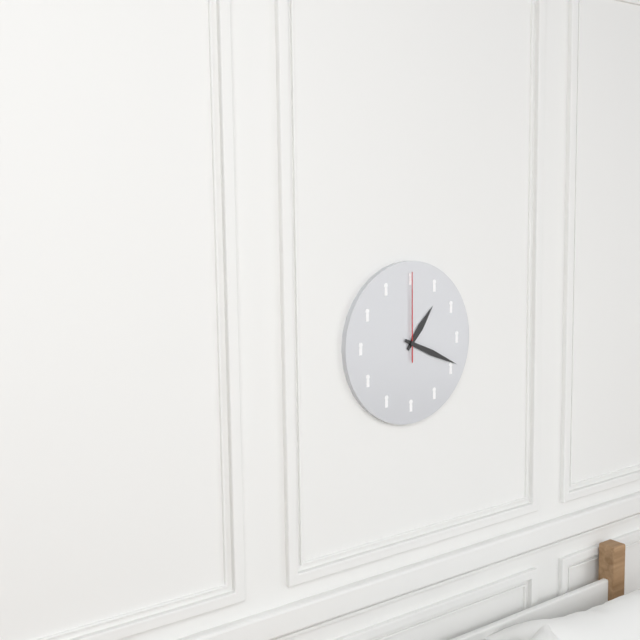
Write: 1,19,00
